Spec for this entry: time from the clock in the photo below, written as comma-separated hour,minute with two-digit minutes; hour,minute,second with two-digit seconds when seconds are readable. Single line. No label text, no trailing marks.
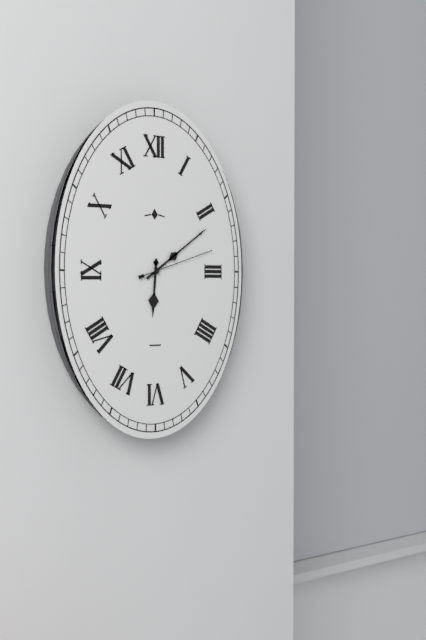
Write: 6,09,12
